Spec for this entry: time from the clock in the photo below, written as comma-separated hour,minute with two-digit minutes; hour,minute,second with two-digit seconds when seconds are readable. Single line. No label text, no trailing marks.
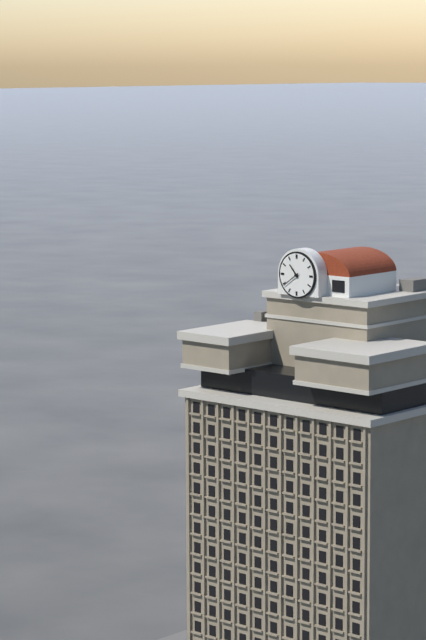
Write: 10,39
